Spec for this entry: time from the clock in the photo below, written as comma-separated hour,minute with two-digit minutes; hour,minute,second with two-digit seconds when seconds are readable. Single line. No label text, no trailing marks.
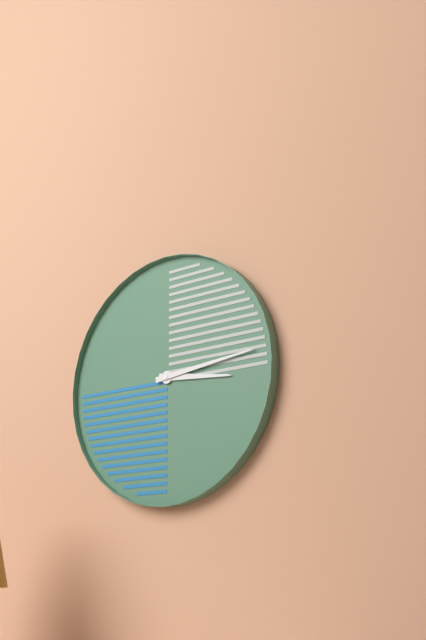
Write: 3,14
